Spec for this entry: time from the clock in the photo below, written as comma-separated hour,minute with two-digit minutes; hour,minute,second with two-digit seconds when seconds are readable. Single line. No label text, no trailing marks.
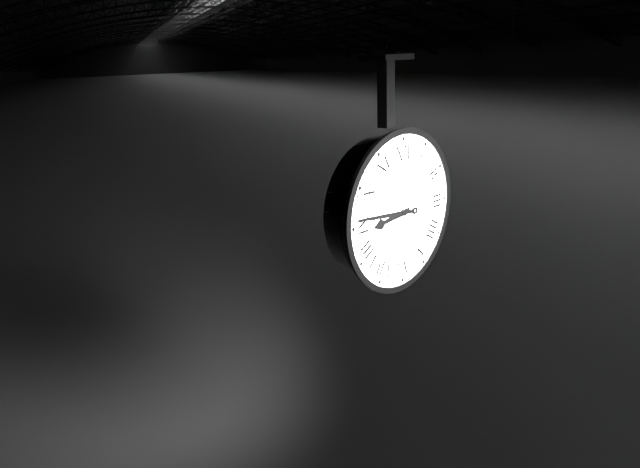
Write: 8,46
